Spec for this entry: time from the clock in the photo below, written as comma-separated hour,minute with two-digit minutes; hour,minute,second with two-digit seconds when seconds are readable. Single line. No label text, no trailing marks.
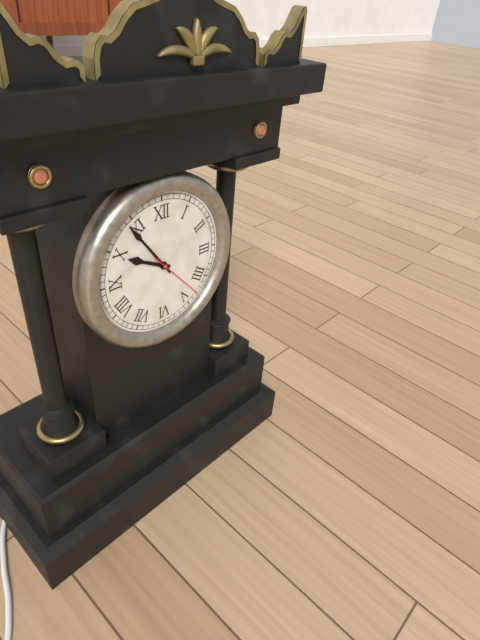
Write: 9,54,23
